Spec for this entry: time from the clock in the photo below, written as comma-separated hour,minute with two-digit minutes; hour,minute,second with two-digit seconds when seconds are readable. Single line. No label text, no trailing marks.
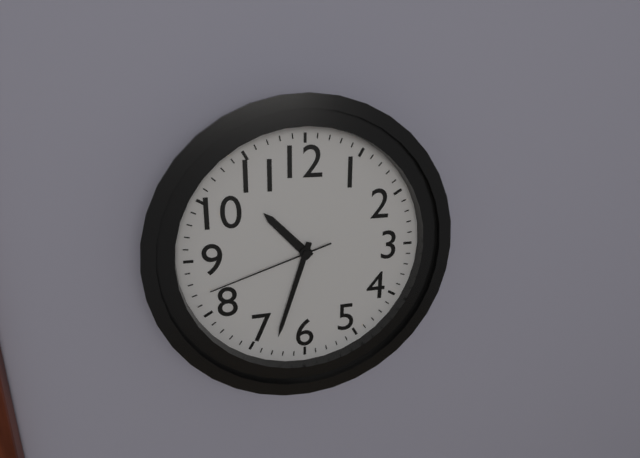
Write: 10,33,42
